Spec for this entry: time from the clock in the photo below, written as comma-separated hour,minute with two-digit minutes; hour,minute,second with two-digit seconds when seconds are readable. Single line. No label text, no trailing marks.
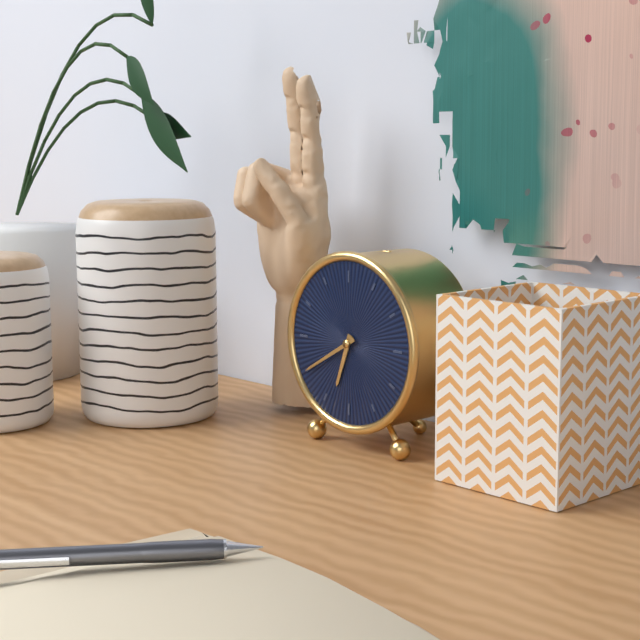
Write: 6,40
